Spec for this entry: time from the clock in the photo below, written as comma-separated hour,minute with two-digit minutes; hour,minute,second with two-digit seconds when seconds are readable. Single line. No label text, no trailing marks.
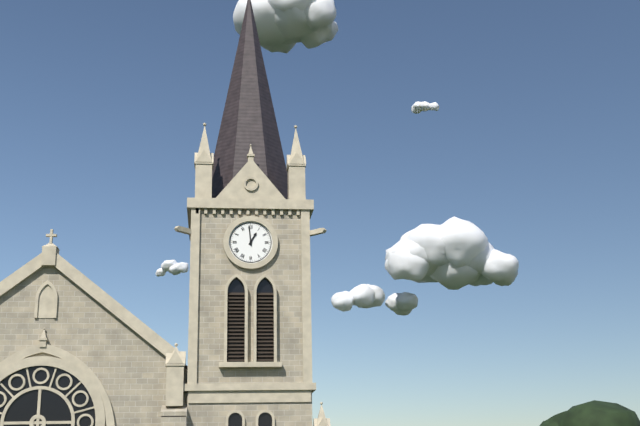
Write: 12,59
